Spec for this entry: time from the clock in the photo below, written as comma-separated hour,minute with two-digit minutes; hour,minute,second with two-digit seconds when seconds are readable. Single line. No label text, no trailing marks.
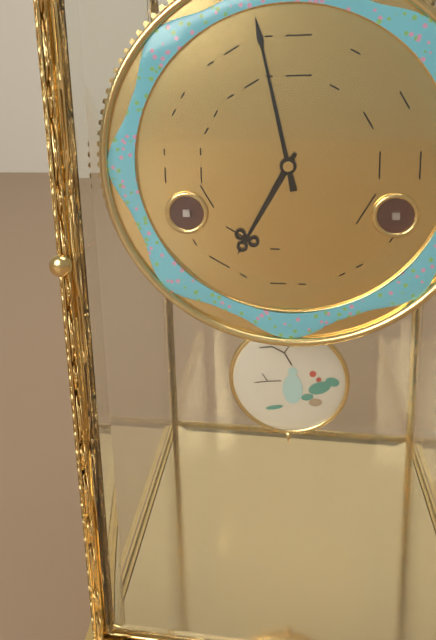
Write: 6,58
